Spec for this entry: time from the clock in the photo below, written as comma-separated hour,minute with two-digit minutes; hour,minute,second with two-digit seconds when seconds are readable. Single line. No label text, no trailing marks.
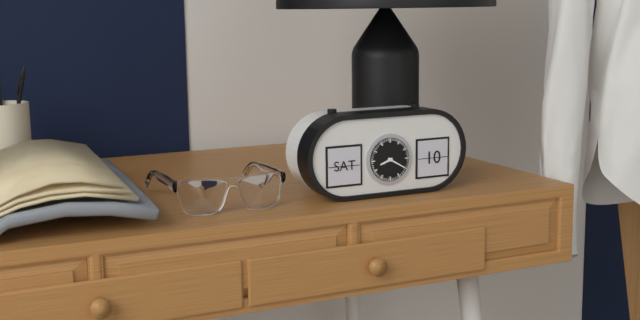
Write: 8,20
